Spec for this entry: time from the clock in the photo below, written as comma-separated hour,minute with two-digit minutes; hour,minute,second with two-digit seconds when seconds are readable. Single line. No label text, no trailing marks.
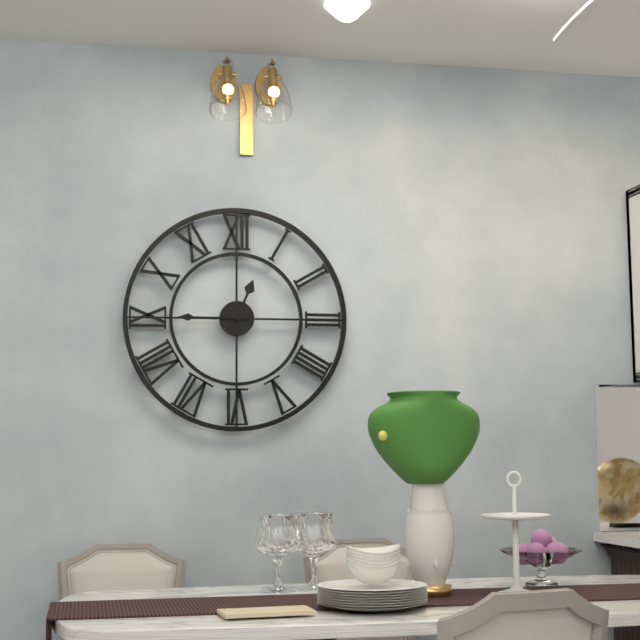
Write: 12,45
